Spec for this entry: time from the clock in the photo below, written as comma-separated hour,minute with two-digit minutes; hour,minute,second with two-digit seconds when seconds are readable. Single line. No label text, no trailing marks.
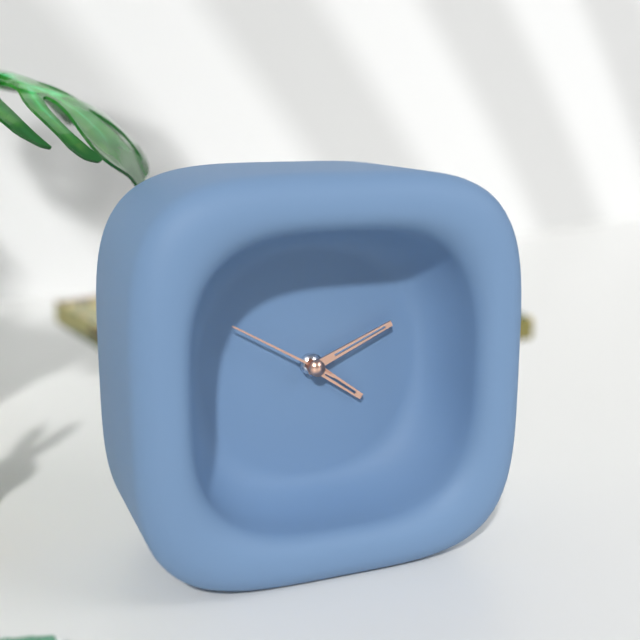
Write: 4,11,50
